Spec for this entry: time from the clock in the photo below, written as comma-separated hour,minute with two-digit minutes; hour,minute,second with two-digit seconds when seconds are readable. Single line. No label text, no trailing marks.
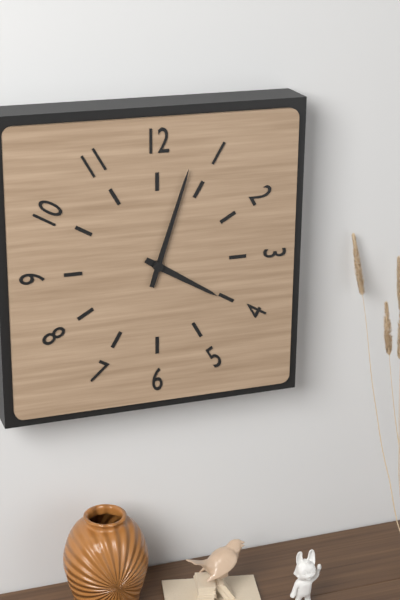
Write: 4,03
